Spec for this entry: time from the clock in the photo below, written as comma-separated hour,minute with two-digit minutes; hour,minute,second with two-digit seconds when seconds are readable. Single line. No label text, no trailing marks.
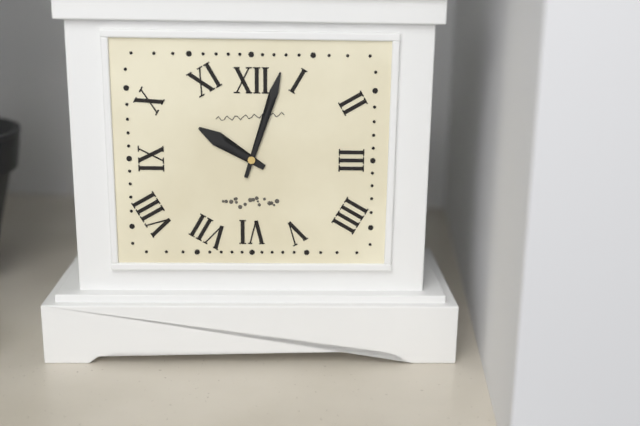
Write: 10,03
